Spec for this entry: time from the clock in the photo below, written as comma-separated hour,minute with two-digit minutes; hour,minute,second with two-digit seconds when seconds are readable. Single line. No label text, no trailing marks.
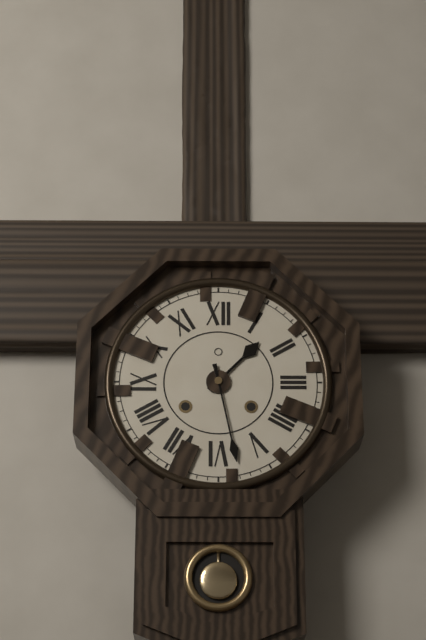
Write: 1,28
